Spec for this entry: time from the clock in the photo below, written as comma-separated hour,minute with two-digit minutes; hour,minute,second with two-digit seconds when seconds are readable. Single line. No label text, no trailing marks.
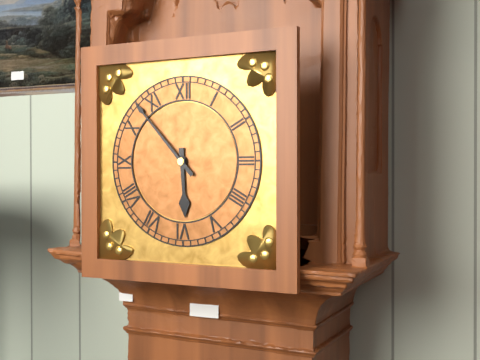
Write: 5,53
